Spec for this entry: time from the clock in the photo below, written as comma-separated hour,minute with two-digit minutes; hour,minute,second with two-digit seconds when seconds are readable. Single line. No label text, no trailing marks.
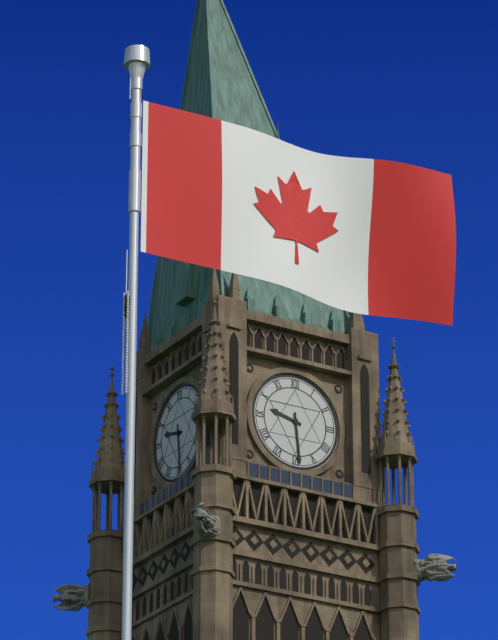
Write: 9,29
